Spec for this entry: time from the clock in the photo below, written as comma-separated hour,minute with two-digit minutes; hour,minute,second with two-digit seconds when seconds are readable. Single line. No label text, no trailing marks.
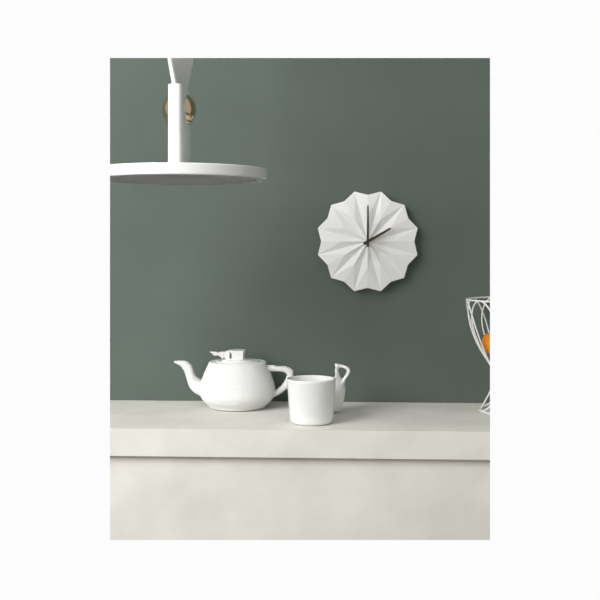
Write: 2,00
